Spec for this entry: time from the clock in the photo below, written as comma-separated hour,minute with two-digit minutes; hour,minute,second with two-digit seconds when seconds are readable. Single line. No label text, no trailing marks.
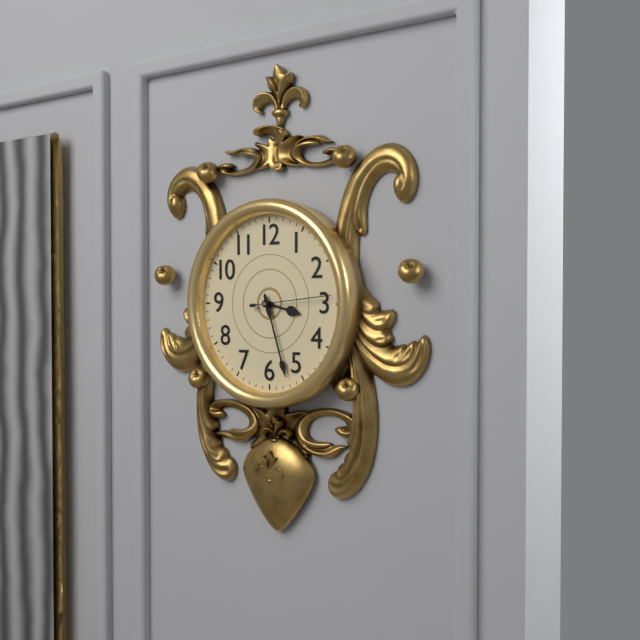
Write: 3,27,14
